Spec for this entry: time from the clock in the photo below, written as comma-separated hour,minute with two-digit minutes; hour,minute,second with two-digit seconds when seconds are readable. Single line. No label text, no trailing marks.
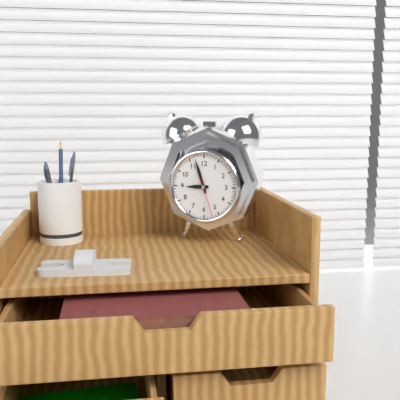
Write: 8,57
